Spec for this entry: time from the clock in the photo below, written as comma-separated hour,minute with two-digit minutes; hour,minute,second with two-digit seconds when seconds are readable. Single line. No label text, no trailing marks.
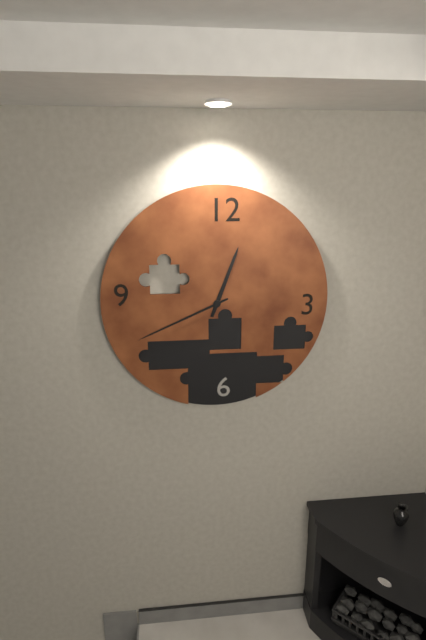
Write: 12,41
